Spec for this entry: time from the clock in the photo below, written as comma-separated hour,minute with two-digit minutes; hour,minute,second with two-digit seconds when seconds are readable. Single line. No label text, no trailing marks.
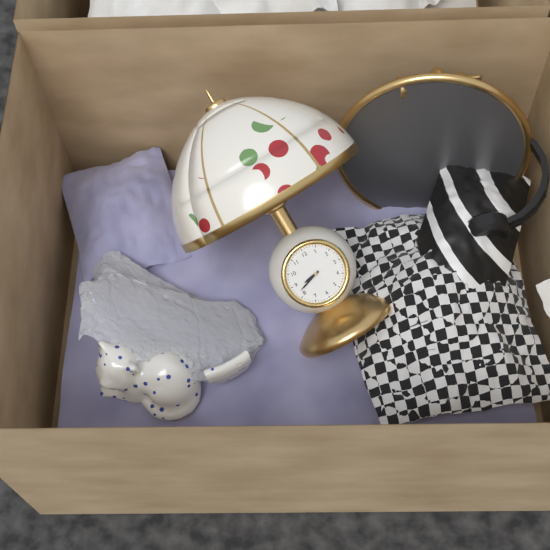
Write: 8,42
